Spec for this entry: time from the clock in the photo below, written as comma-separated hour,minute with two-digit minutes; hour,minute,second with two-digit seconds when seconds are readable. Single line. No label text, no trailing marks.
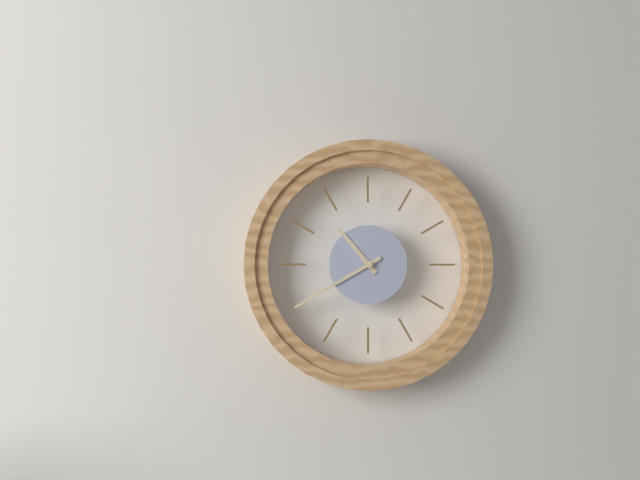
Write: 10,40
